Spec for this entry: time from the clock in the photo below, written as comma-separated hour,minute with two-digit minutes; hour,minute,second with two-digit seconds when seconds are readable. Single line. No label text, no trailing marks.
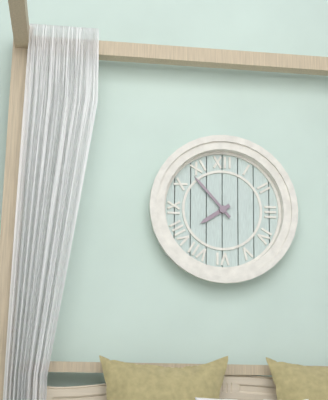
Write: 7,53
